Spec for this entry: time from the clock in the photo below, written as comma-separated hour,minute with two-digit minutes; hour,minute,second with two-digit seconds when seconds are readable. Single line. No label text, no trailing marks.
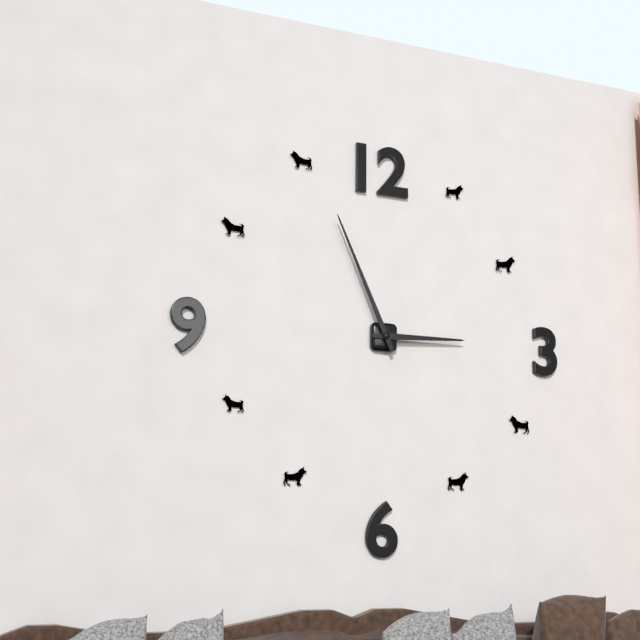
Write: 2,56
